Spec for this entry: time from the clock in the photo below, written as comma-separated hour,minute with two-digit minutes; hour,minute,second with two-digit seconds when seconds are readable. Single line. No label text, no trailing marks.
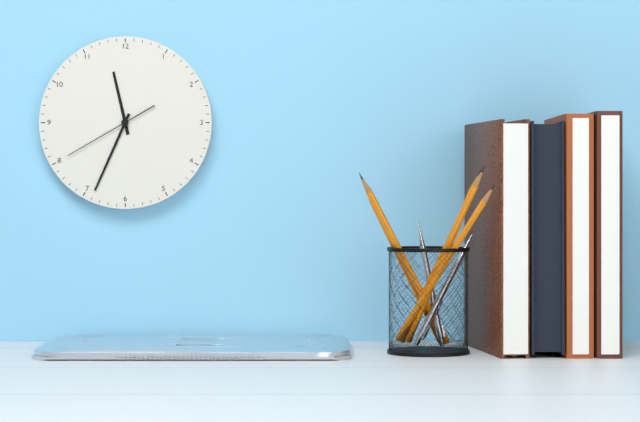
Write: 11,34,40
